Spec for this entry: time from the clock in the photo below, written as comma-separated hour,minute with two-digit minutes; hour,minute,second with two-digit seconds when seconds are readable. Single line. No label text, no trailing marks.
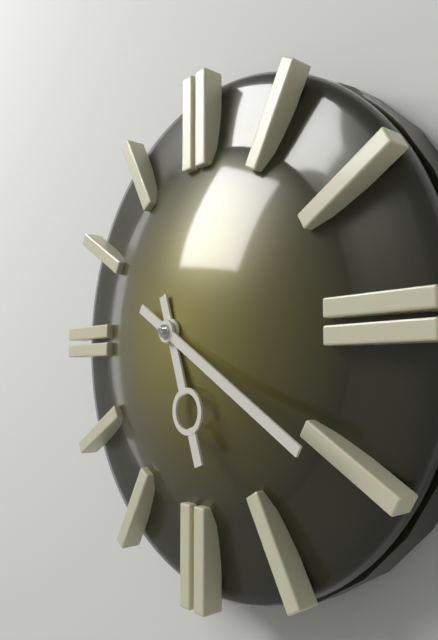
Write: 5,20
